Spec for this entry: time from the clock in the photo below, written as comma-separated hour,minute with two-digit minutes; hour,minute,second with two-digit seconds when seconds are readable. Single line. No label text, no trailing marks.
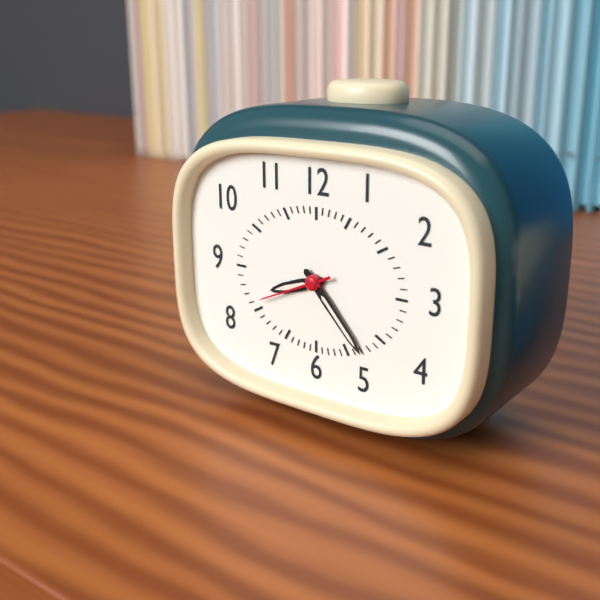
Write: 8,23,41
